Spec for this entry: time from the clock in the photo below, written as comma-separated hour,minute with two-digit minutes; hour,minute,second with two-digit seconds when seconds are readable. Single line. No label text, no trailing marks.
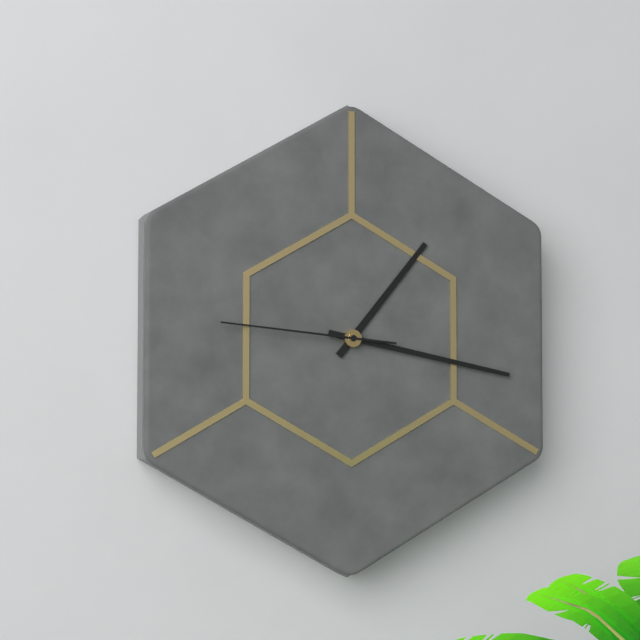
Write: 1,17,46
